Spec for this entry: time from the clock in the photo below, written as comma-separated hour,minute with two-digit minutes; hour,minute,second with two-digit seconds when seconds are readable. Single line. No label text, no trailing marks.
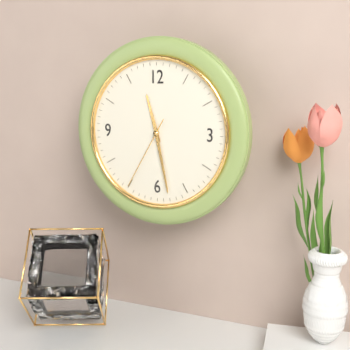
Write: 11,28,35
